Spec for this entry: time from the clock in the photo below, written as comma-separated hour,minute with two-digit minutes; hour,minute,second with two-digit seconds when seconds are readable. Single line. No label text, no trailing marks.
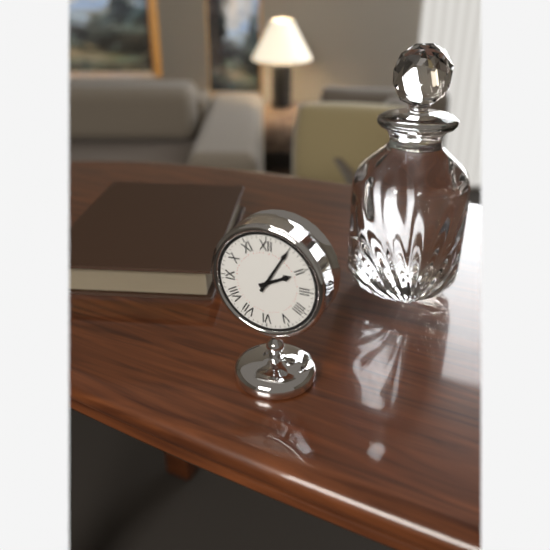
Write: 2,05
